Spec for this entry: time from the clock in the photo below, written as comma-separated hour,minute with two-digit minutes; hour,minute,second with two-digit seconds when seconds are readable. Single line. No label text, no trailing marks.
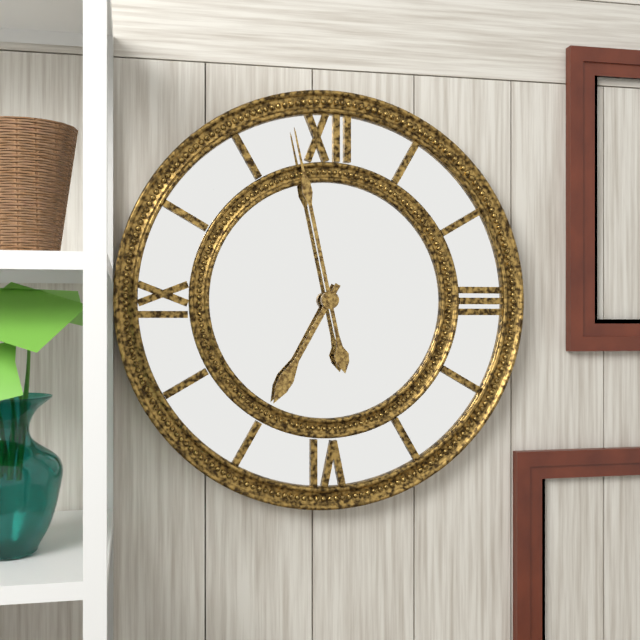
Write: 6,58
